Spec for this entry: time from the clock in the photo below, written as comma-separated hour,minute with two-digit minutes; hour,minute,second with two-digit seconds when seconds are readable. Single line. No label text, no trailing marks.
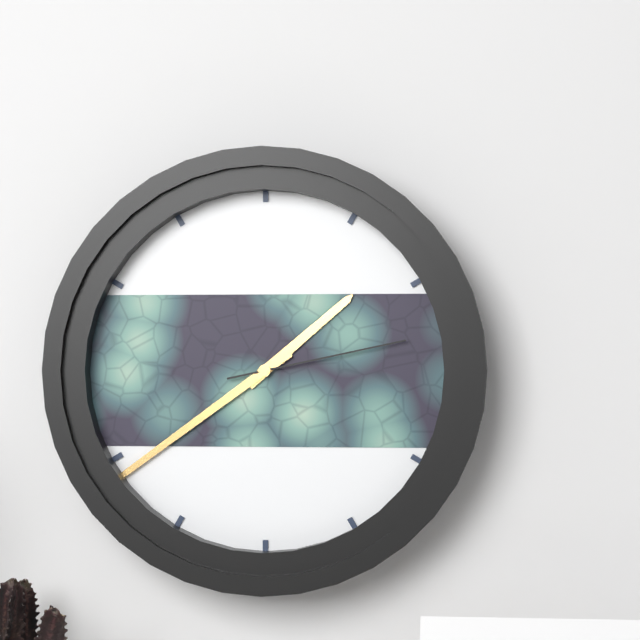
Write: 1,39,13
